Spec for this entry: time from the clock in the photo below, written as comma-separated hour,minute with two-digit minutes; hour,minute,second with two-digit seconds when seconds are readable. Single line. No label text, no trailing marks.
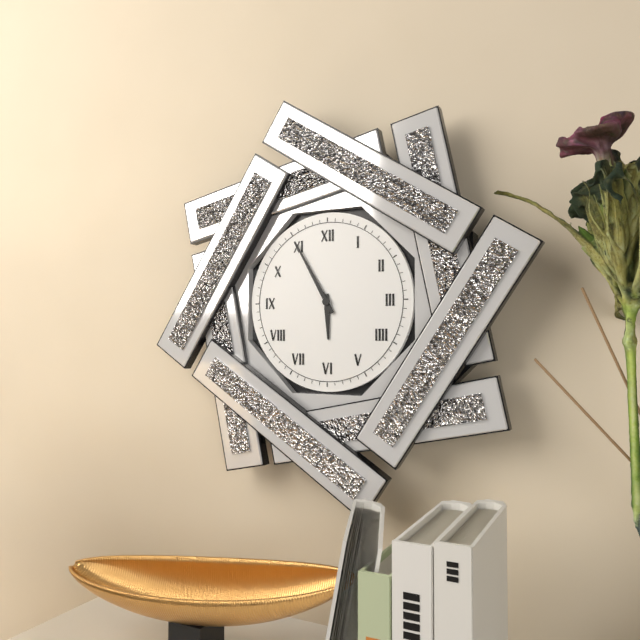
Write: 5,55
